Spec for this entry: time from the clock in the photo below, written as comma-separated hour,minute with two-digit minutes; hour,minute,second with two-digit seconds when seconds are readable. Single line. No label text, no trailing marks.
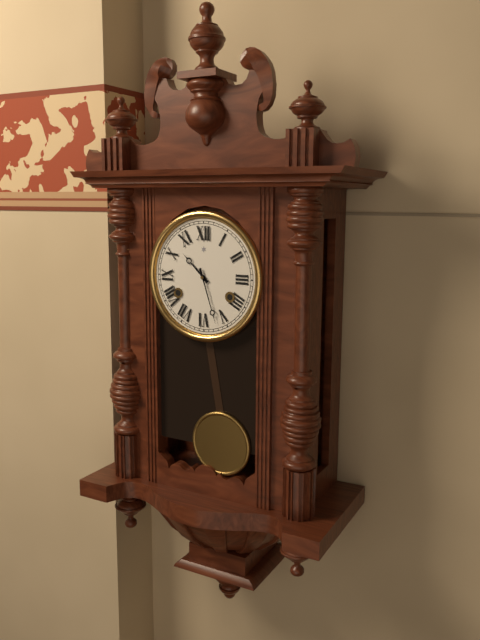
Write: 10,27
